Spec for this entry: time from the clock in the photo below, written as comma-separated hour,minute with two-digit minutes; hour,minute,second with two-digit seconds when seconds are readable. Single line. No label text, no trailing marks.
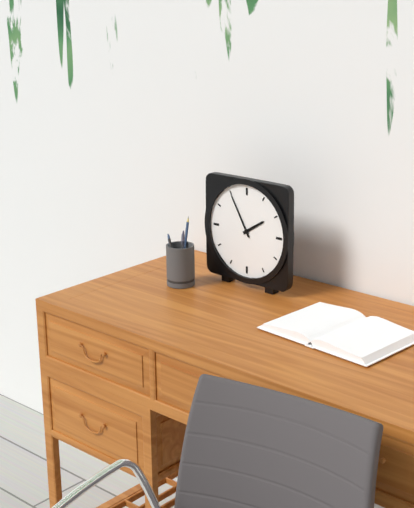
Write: 1,55
